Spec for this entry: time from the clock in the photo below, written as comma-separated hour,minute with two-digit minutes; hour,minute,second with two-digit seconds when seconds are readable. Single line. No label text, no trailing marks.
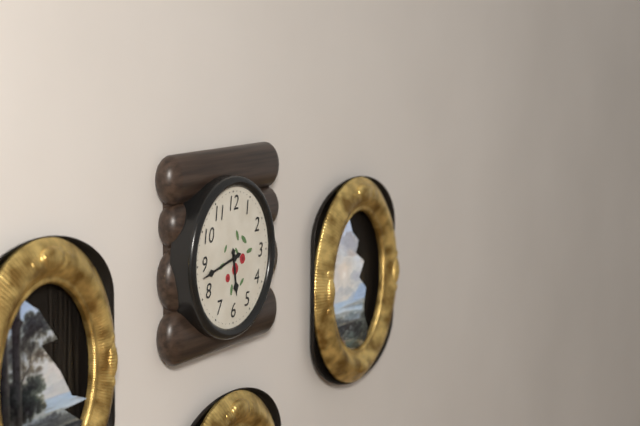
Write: 5,43
